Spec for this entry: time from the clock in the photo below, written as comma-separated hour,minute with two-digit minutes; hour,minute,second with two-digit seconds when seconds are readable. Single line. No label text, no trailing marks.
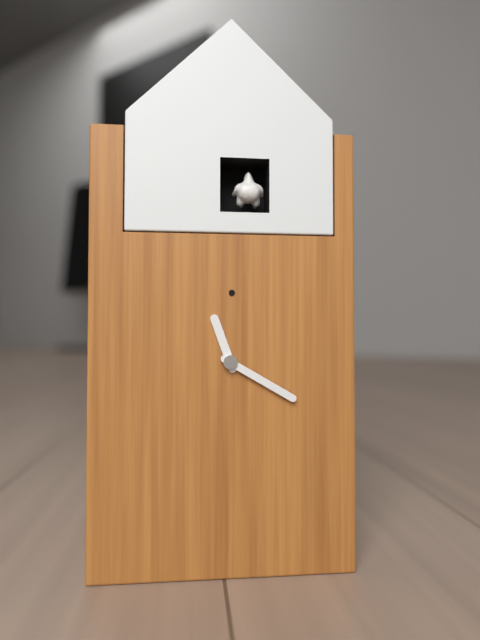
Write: 11,20
